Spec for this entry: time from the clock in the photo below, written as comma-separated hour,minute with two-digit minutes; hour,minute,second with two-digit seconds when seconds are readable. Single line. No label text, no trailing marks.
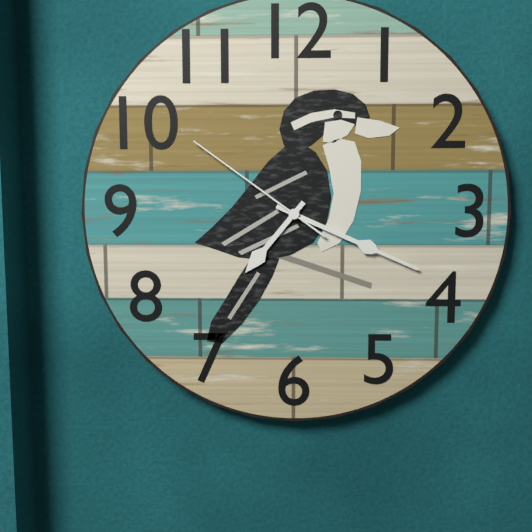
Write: 7,19,51
